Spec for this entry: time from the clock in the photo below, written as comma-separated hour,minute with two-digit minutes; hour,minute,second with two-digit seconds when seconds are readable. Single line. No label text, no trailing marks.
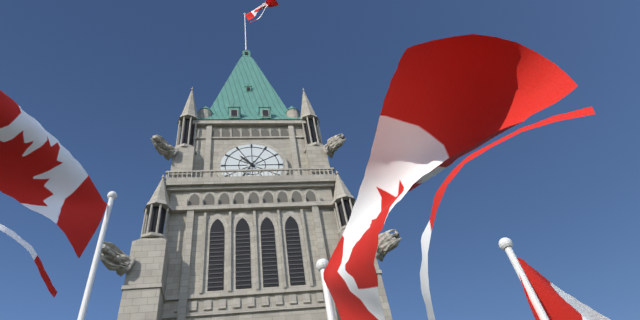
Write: 10,35
